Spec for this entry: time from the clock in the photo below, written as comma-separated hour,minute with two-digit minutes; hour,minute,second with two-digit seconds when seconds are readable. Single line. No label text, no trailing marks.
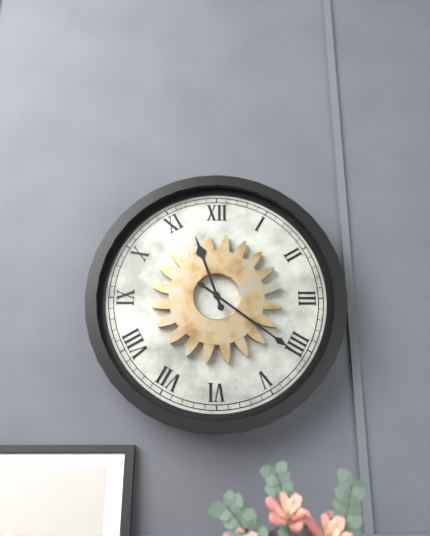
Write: 11,21
